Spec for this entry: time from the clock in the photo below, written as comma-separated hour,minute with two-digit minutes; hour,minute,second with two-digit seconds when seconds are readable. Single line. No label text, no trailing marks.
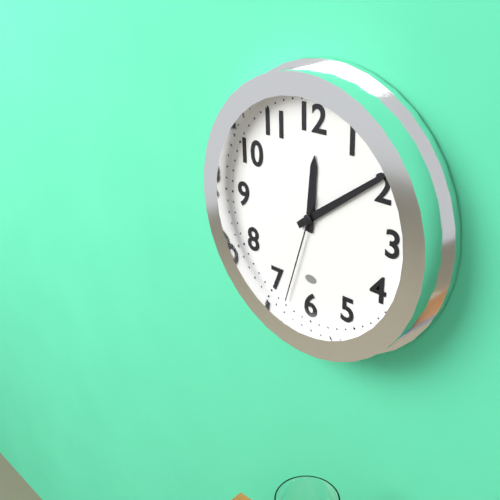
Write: 12,09,33
